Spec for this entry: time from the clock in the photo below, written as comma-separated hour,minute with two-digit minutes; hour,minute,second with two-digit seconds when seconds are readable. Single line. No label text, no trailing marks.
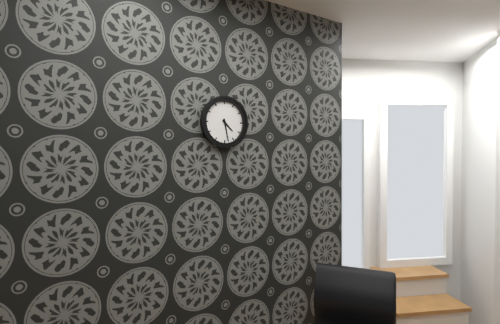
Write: 4,28
